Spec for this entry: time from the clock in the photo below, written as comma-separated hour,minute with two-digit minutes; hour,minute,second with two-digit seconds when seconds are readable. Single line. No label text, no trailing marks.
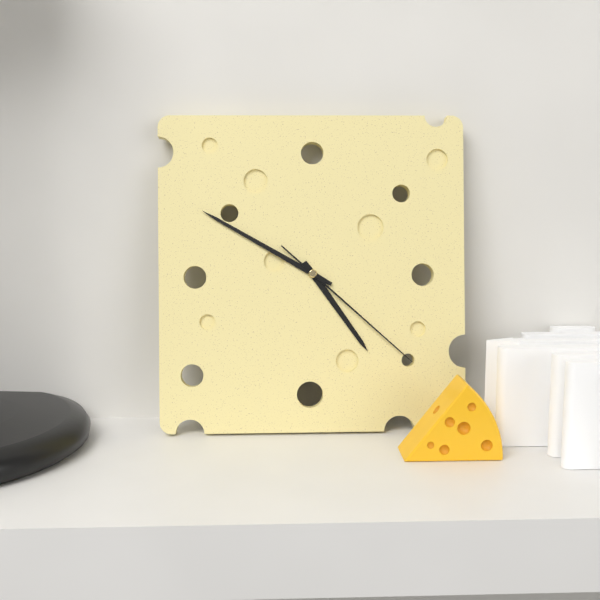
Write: 4,50,22
